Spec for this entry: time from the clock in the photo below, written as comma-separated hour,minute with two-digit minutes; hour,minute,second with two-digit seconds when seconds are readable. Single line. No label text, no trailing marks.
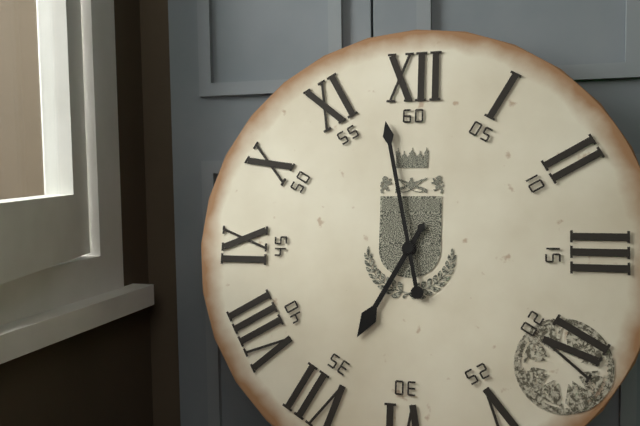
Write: 6,58
